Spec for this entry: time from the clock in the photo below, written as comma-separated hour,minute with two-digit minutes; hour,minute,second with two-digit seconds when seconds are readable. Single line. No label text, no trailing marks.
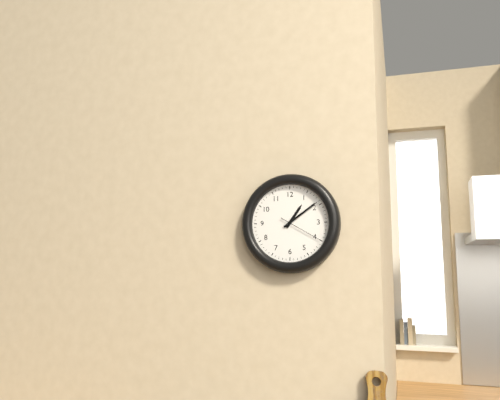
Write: 1,09
